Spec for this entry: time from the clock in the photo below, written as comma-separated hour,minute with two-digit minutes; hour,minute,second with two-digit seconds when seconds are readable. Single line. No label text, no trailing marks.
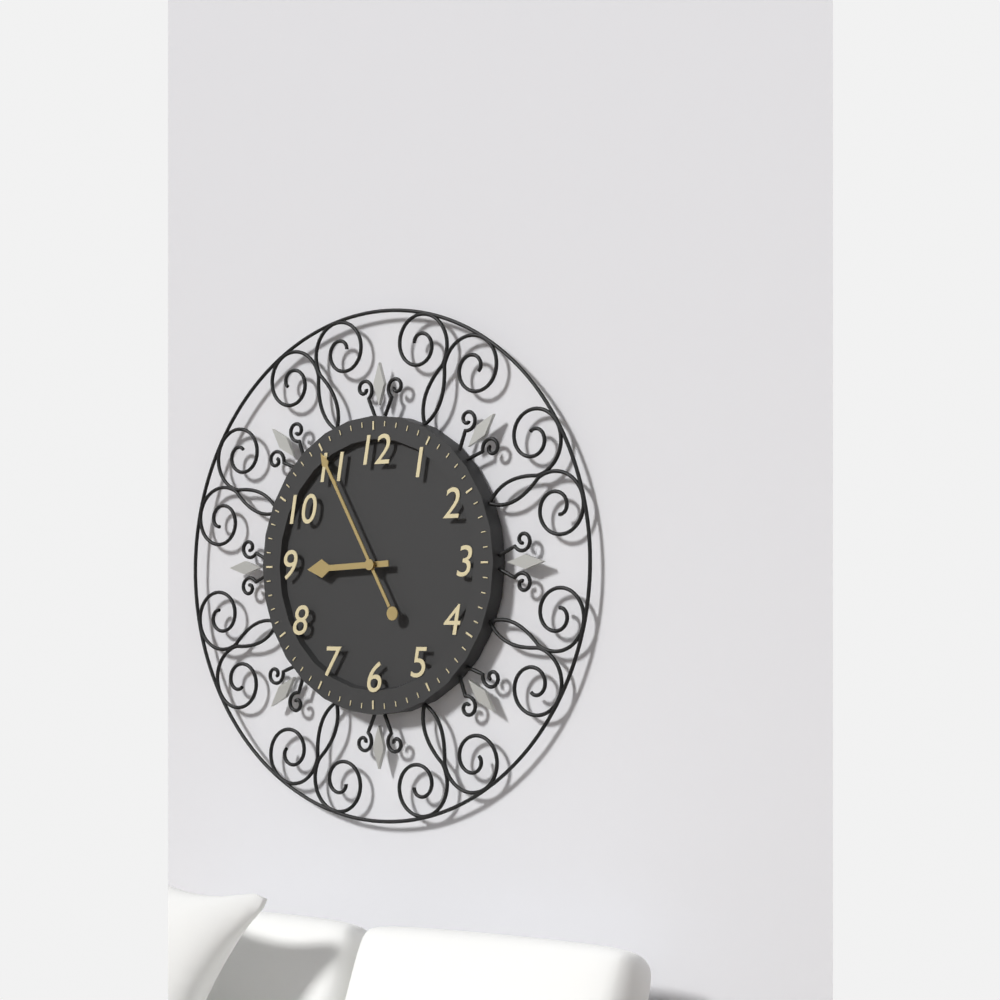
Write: 8,55
